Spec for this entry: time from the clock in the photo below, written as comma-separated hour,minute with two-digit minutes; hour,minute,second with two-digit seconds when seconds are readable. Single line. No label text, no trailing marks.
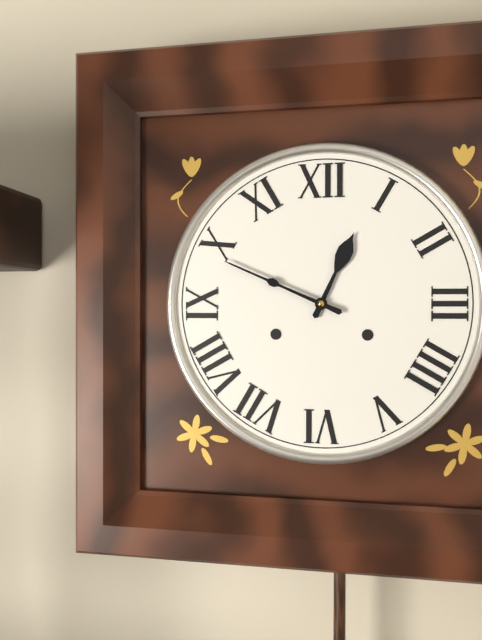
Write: 12,49
